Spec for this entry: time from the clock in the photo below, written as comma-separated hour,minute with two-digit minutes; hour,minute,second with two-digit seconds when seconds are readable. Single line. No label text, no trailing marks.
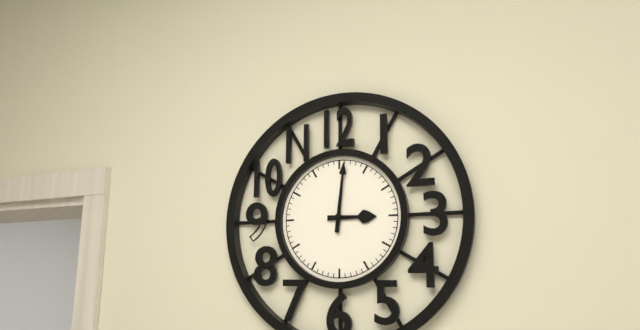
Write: 3,01
